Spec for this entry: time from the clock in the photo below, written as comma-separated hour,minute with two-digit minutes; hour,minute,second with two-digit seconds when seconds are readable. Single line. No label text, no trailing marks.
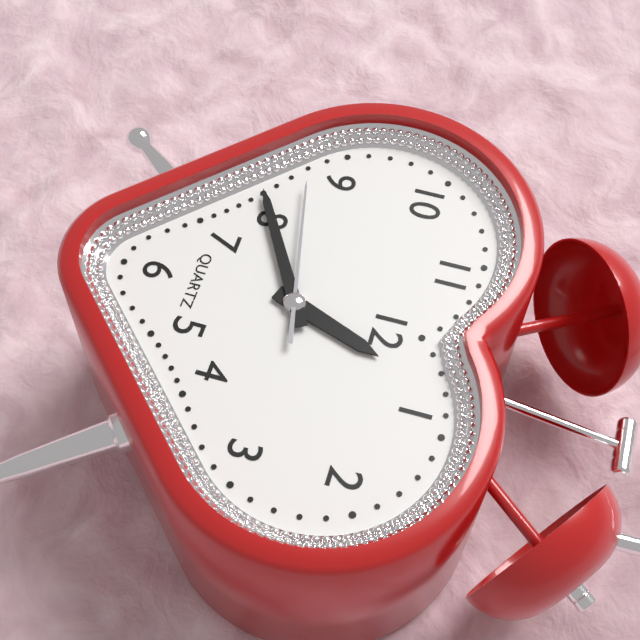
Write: 12,40,43
